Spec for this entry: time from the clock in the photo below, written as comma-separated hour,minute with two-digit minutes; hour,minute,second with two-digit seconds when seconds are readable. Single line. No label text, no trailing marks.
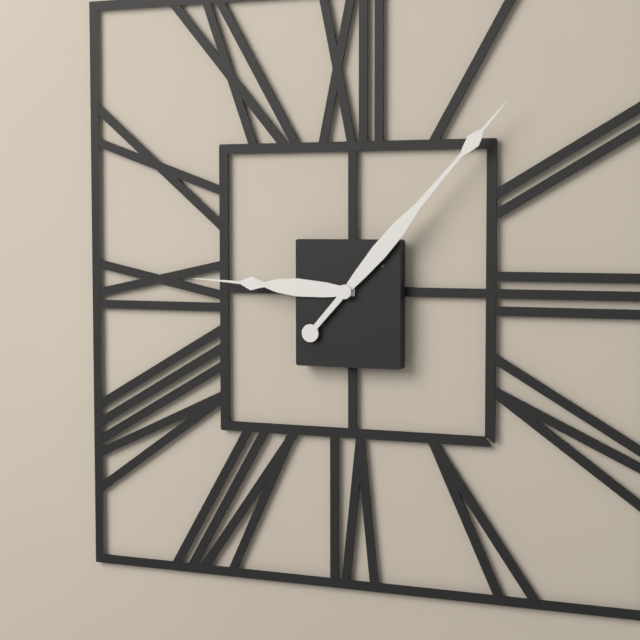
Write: 9,07
